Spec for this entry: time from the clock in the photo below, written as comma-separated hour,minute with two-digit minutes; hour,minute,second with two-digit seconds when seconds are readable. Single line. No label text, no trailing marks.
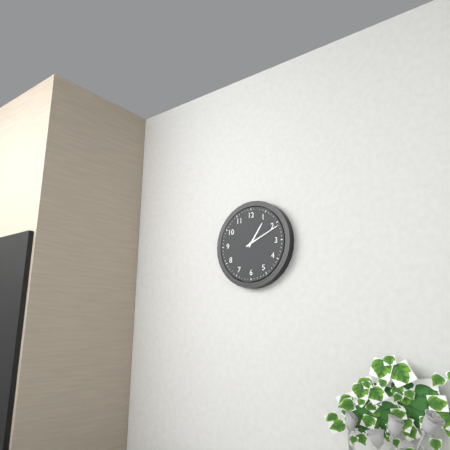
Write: 1,11
